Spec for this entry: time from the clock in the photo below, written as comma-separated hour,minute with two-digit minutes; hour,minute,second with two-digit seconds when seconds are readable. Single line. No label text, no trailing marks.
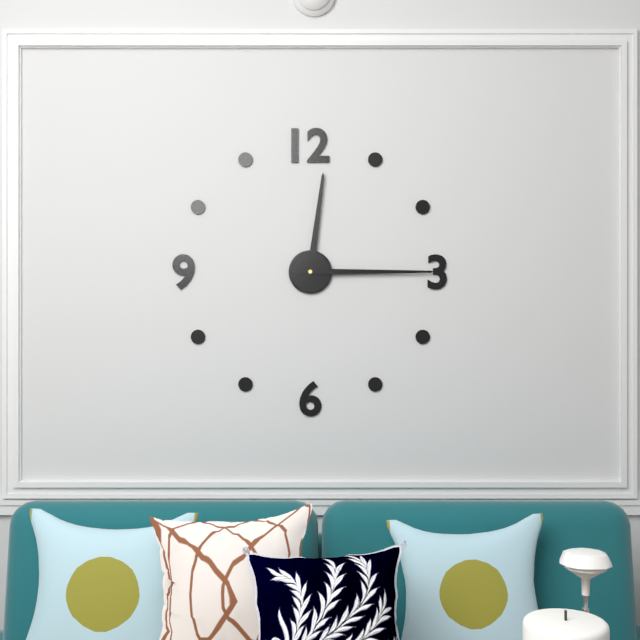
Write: 12,15
